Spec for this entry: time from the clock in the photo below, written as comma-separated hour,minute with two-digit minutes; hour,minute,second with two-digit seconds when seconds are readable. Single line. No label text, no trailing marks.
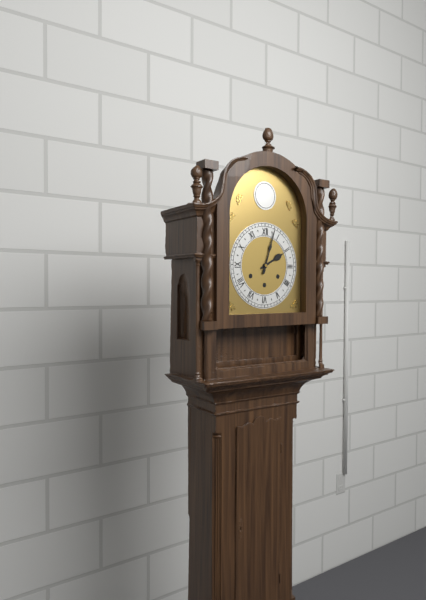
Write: 2,03
